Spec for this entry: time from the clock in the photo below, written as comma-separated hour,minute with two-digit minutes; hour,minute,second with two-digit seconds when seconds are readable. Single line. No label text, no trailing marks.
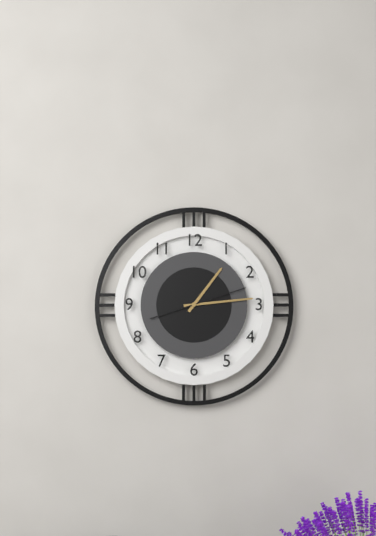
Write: 1,14,12
